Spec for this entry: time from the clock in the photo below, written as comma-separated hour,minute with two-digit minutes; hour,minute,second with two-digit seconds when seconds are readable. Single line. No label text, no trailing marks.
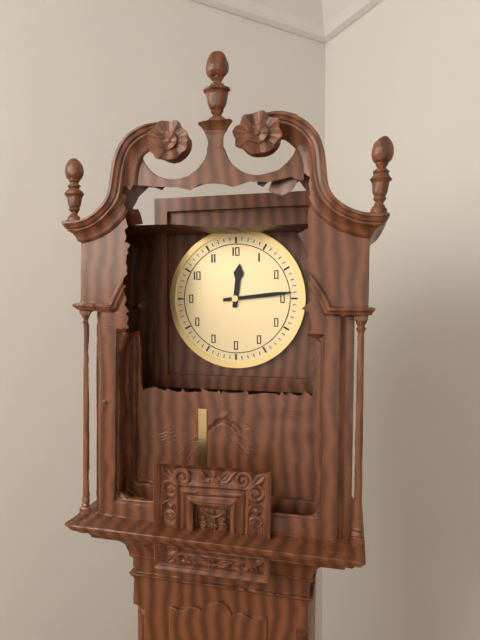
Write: 12,14
